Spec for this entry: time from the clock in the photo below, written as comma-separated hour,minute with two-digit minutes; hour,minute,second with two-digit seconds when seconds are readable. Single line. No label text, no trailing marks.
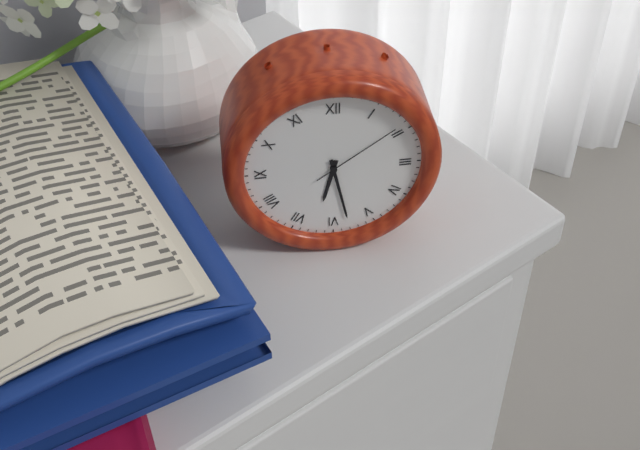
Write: 6,28,09
